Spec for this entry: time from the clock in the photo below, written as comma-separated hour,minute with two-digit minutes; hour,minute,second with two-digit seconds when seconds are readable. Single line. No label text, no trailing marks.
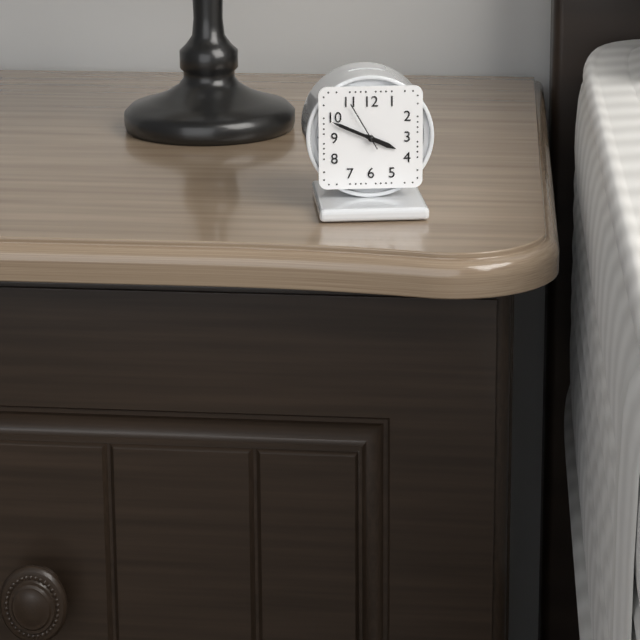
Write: 3,49
